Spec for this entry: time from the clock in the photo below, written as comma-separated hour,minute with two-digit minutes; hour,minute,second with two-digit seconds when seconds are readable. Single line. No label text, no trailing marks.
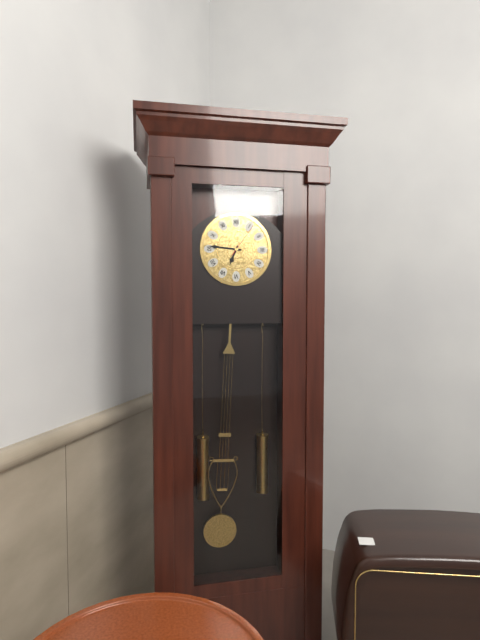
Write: 6,46
